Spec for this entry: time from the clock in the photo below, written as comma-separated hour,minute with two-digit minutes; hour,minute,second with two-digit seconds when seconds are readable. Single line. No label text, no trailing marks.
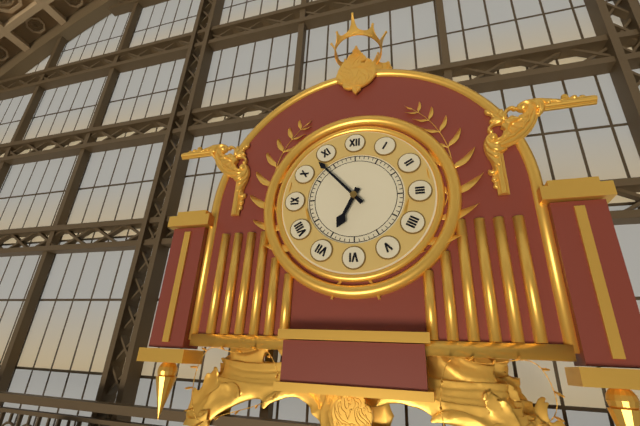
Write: 6,53
